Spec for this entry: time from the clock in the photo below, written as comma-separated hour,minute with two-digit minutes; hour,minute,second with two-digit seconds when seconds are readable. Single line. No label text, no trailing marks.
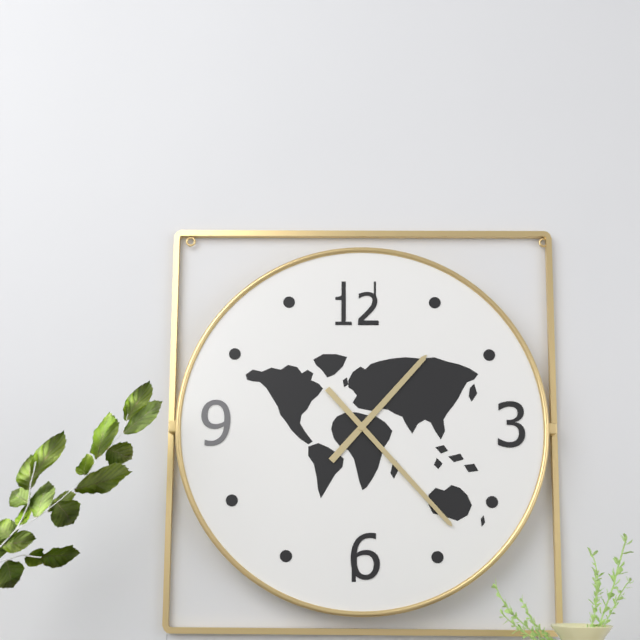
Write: 1,23
